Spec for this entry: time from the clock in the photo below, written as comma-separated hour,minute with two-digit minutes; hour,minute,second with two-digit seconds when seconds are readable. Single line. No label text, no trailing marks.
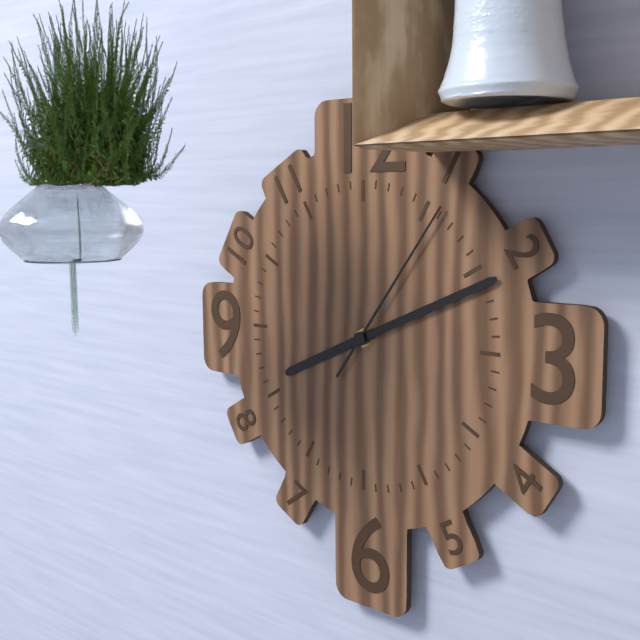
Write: 8,11,06
